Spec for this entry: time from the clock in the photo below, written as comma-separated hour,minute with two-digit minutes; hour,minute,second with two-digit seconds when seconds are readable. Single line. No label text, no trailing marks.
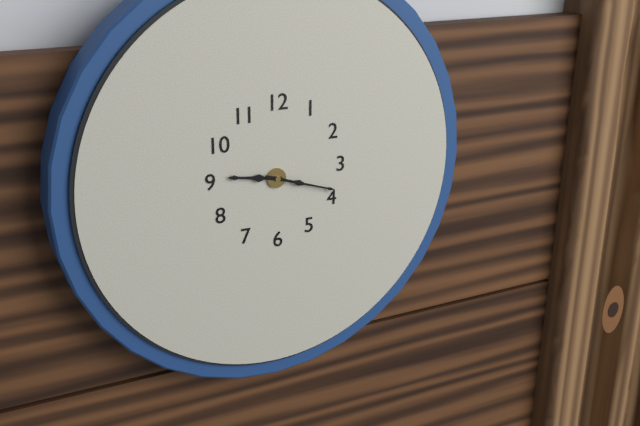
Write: 9,18
